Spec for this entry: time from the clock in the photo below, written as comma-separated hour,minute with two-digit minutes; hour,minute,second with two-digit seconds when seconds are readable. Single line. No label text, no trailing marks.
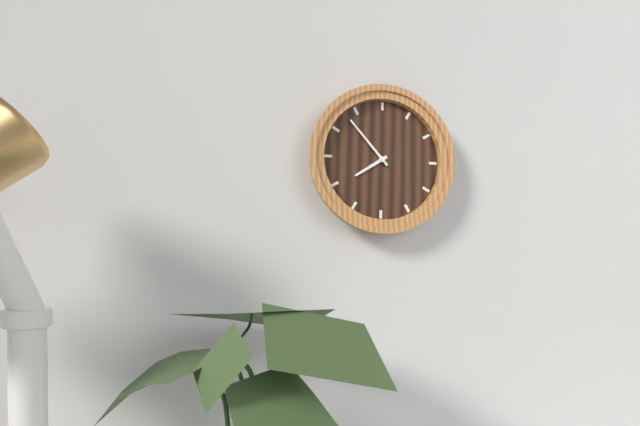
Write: 7,53
